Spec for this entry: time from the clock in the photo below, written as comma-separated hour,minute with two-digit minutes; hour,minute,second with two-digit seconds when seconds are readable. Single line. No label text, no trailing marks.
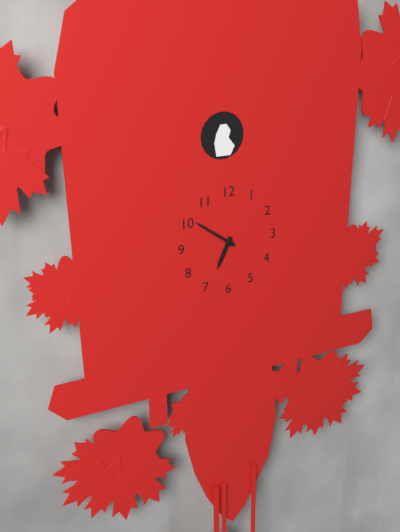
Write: 6,51
